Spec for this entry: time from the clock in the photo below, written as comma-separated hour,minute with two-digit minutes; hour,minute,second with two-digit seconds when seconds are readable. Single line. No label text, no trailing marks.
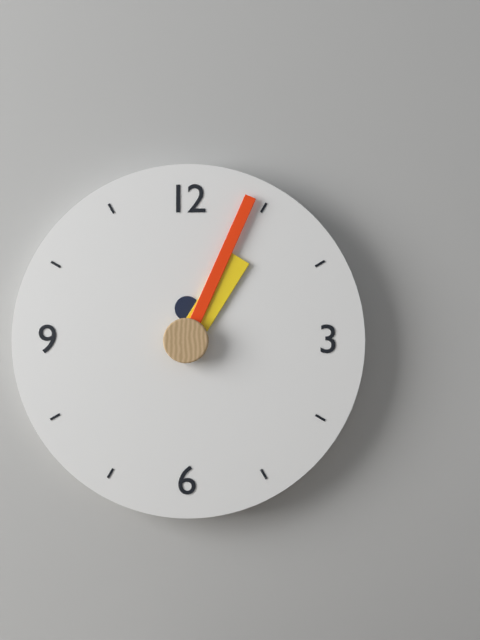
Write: 1,04
